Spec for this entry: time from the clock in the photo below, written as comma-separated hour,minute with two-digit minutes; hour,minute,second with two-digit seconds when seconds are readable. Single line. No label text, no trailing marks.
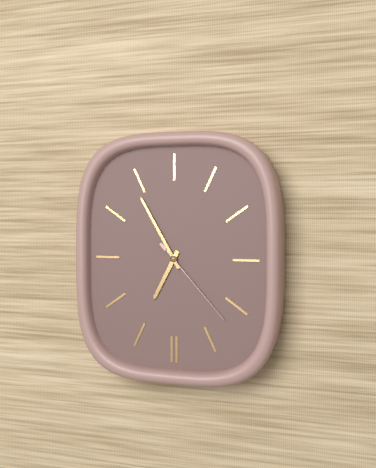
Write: 6,55,23
